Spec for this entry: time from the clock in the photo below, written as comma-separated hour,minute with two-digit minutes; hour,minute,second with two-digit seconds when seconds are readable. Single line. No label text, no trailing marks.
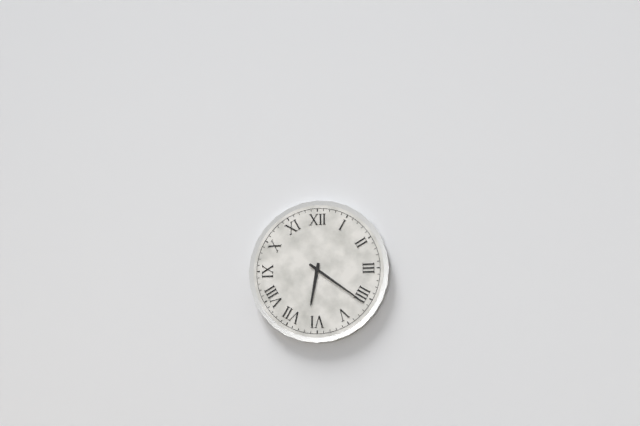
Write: 6,21
